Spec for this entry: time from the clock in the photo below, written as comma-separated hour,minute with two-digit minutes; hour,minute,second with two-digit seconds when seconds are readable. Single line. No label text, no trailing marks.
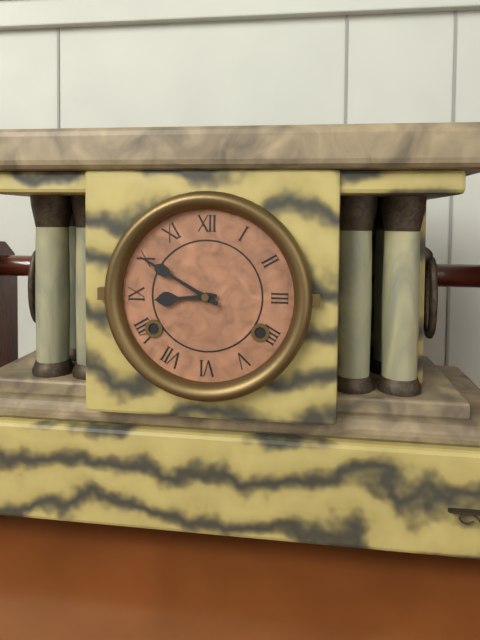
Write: 8,50
